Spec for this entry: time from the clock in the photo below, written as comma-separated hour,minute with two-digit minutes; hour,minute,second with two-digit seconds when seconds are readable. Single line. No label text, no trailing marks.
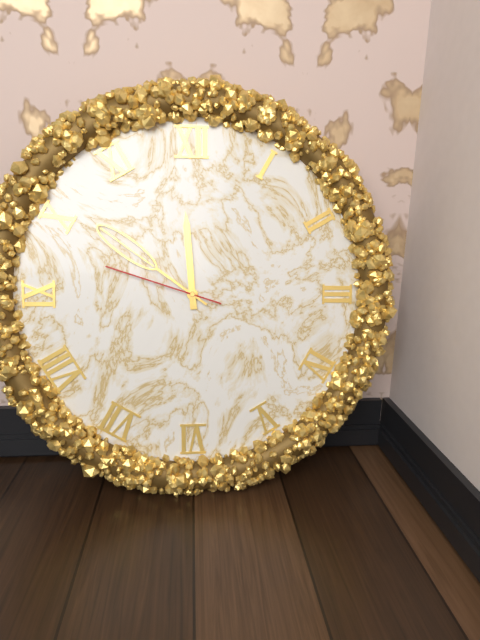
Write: 11,51,48
